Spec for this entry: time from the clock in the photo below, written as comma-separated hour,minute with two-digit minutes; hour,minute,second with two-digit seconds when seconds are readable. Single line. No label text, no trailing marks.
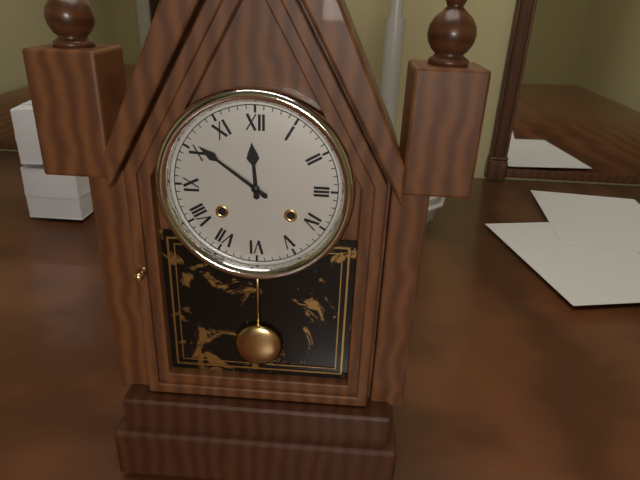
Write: 11,51
